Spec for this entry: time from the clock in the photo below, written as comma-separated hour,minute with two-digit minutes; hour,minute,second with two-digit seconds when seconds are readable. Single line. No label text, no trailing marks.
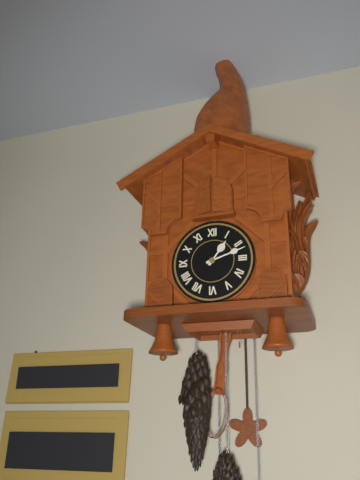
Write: 1,12
